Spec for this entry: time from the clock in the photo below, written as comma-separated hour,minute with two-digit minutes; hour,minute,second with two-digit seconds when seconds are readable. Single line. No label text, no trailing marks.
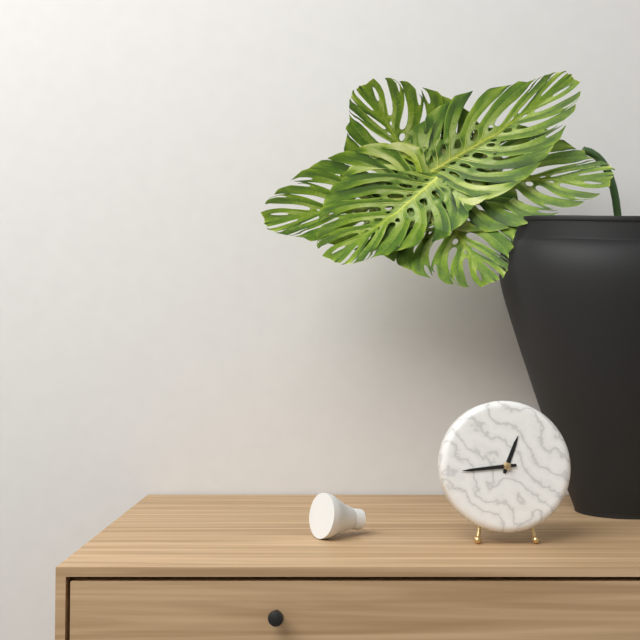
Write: 12,44
